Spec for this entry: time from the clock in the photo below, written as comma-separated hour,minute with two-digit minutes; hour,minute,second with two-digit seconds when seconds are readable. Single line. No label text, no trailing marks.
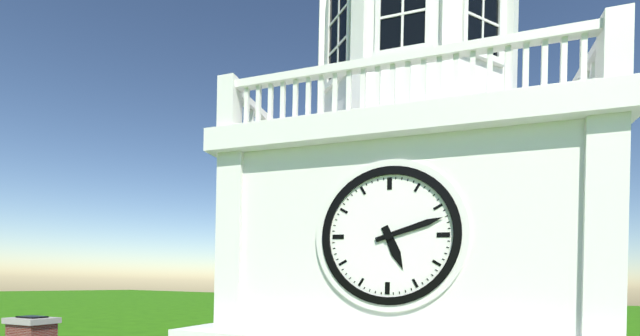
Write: 5,12
